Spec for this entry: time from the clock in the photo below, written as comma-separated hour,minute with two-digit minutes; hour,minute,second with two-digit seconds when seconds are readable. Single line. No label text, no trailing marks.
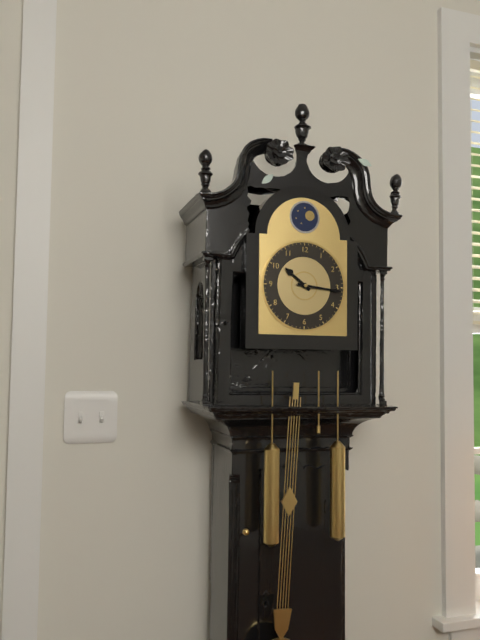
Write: 10,16
